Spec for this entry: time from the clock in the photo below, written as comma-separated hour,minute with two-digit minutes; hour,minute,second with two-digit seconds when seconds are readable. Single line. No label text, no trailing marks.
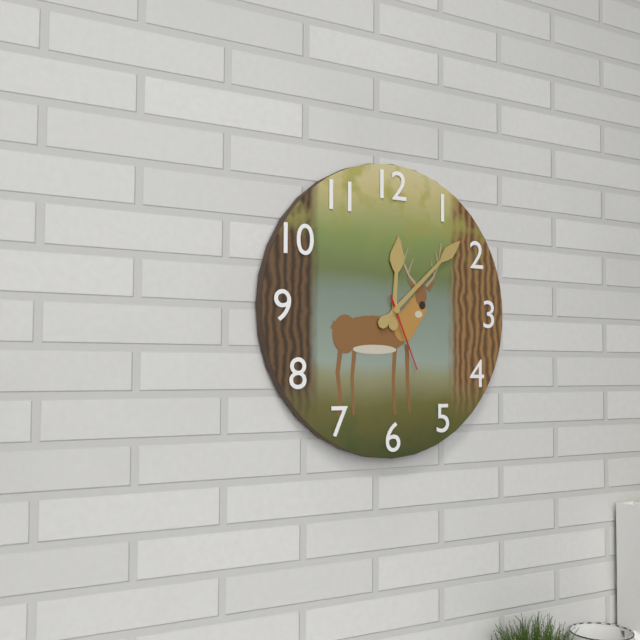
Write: 12,08,26
